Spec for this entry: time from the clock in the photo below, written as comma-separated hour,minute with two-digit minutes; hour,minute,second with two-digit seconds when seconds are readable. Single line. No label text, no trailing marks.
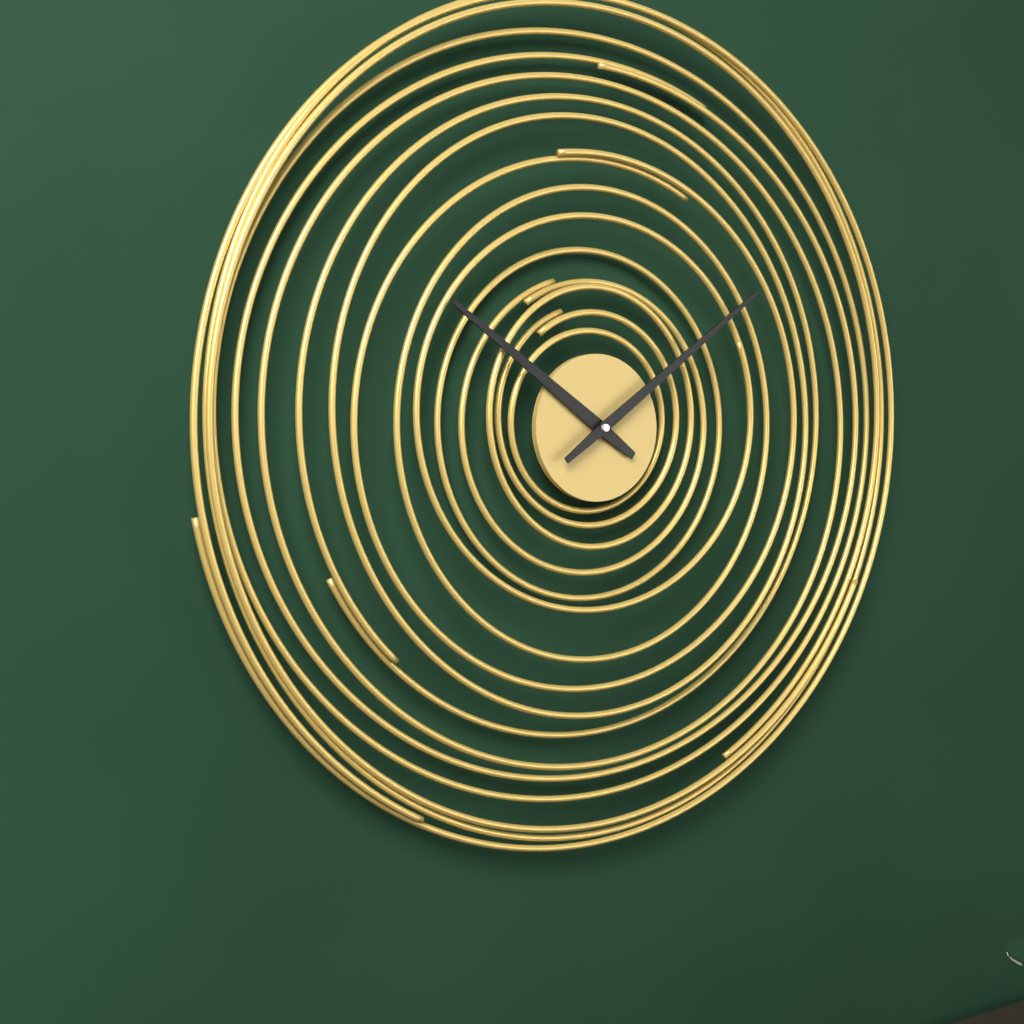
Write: 10,09
